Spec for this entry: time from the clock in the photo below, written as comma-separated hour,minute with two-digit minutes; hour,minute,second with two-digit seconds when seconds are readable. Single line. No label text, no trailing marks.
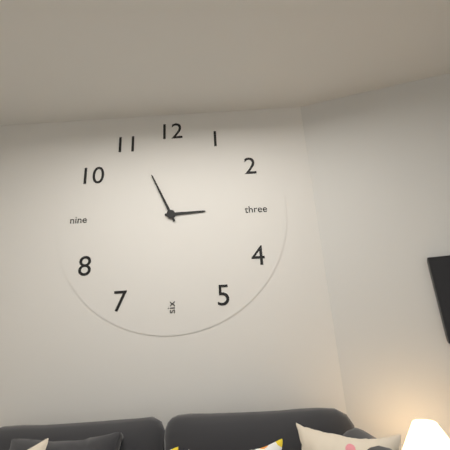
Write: 2,56
